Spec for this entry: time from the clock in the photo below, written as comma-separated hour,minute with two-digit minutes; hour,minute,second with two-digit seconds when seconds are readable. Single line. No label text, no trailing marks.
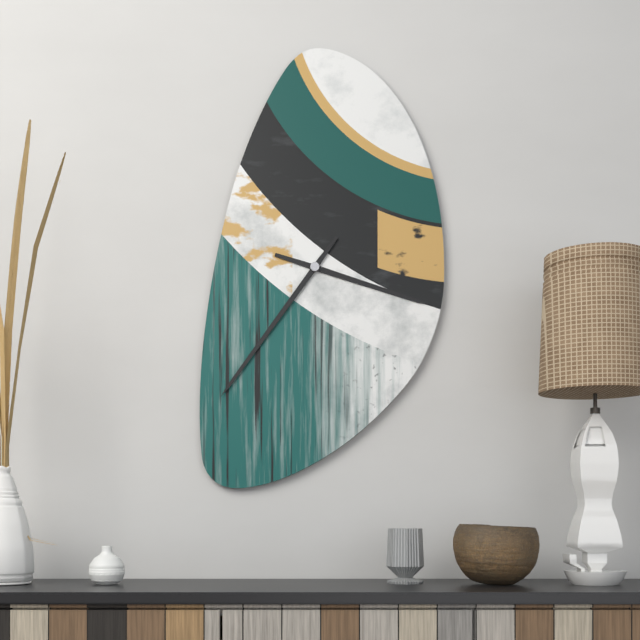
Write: 3,36
